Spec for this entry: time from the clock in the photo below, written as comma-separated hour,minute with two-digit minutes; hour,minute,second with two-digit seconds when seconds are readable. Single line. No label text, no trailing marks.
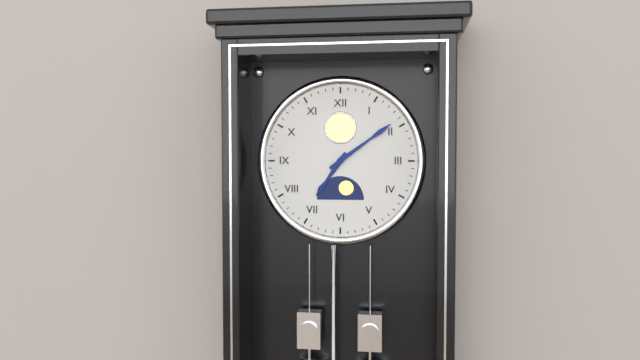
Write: 7,09
